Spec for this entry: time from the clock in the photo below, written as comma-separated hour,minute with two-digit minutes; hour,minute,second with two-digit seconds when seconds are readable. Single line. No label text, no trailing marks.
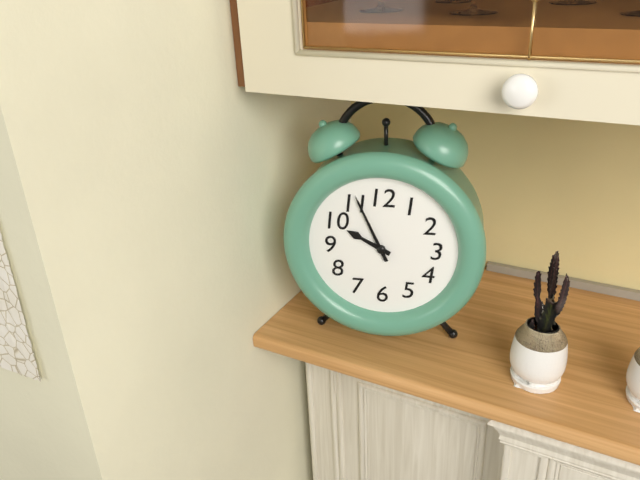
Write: 9,56
